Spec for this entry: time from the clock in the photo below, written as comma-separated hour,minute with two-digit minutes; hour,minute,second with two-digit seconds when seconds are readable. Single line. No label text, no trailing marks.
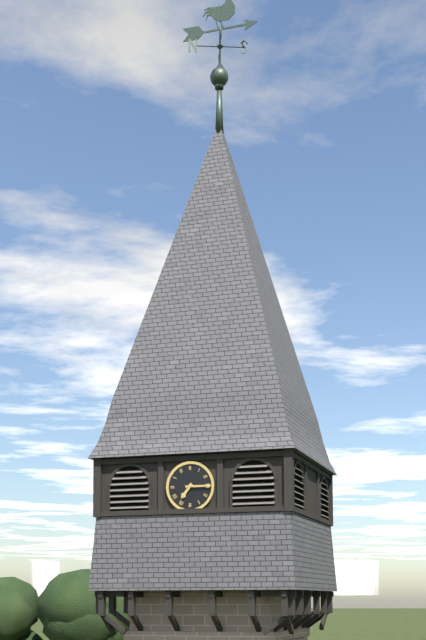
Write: 7,15
